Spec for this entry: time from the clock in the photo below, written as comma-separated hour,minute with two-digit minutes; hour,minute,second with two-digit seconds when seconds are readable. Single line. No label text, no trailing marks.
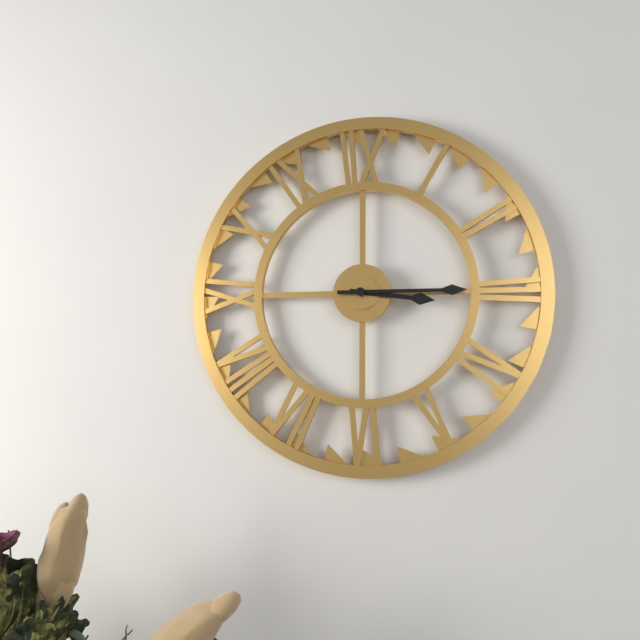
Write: 3,15
